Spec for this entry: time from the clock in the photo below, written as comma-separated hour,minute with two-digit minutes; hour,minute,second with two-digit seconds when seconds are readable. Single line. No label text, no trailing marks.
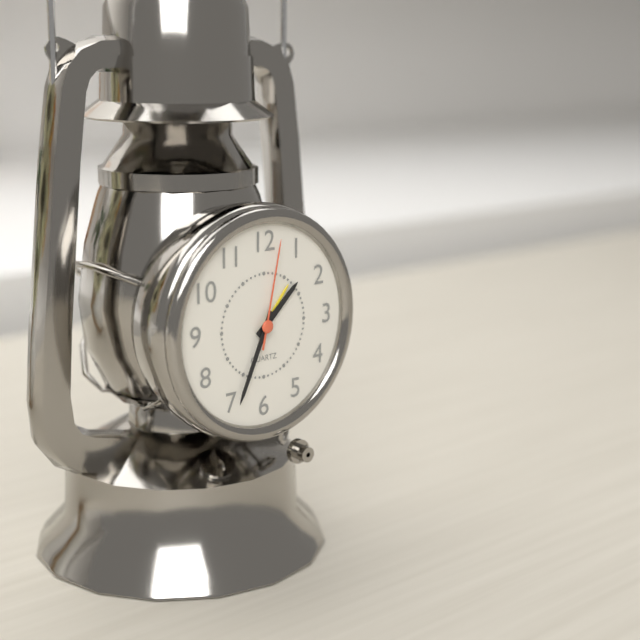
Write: 1,34,02
